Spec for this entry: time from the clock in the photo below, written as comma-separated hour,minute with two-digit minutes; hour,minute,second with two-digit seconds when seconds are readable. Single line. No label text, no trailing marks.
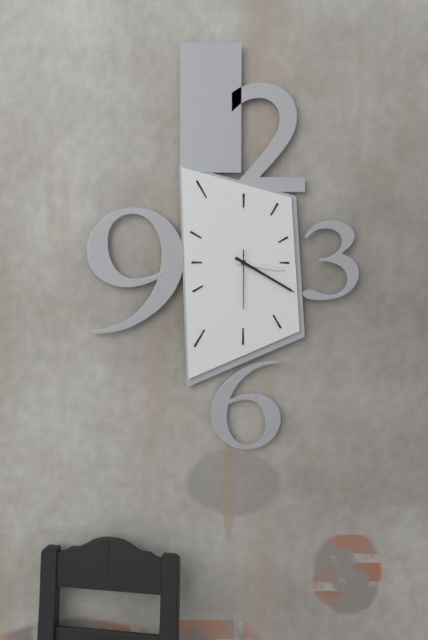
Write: 3,20,30
